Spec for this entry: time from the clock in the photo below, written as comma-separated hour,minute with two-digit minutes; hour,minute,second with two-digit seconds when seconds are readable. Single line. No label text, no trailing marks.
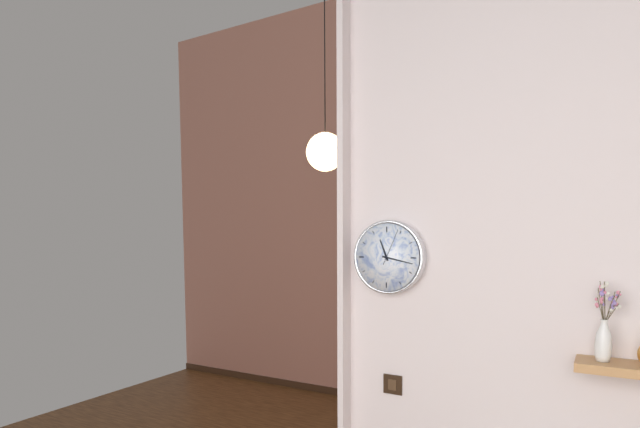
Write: 11,17
